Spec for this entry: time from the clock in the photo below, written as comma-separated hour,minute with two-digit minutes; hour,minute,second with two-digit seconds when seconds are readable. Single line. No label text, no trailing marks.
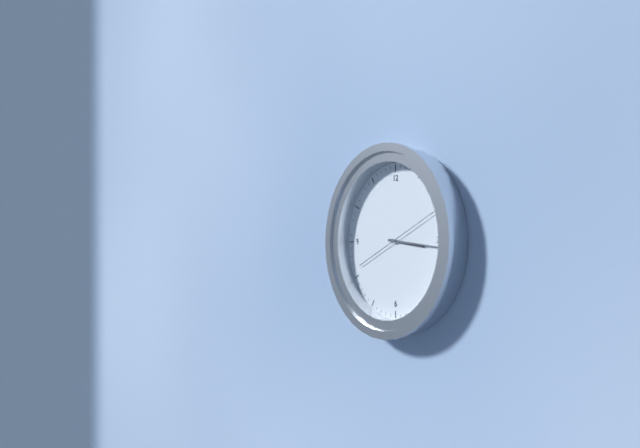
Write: 3,16,11
